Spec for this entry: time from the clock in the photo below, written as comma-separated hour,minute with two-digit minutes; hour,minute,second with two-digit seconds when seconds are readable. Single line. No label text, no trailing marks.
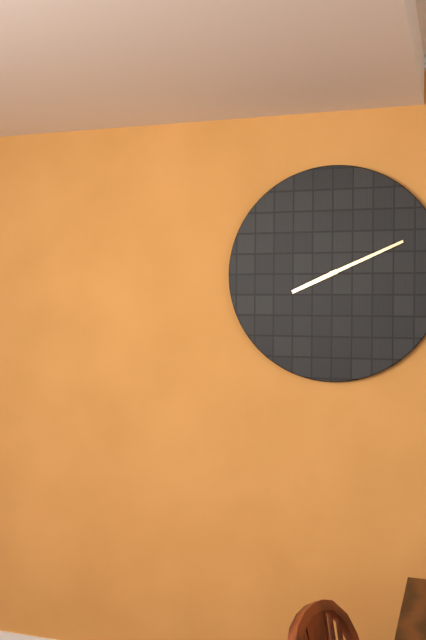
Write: 8,11
